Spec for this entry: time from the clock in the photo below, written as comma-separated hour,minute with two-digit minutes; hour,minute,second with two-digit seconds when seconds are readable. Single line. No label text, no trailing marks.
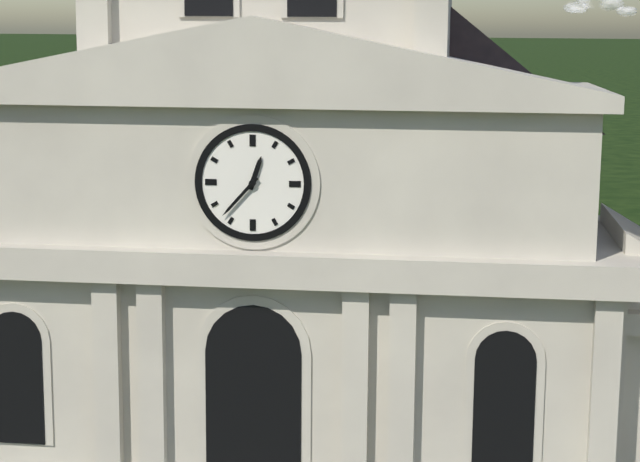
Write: 12,37
